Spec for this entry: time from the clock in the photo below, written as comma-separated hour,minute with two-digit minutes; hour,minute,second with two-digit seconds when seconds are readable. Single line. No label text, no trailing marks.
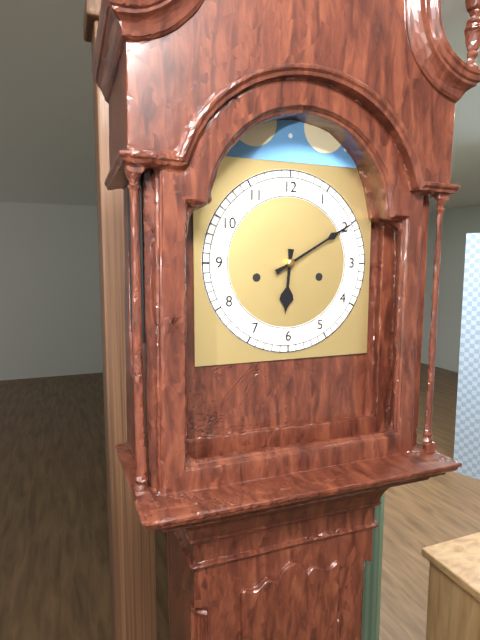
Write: 6,10
